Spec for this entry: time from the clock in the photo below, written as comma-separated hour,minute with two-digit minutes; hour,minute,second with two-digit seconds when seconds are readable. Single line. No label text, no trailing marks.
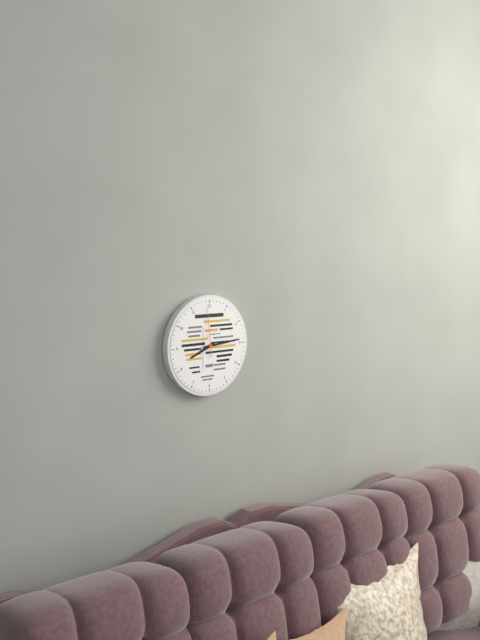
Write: 8,14,59
